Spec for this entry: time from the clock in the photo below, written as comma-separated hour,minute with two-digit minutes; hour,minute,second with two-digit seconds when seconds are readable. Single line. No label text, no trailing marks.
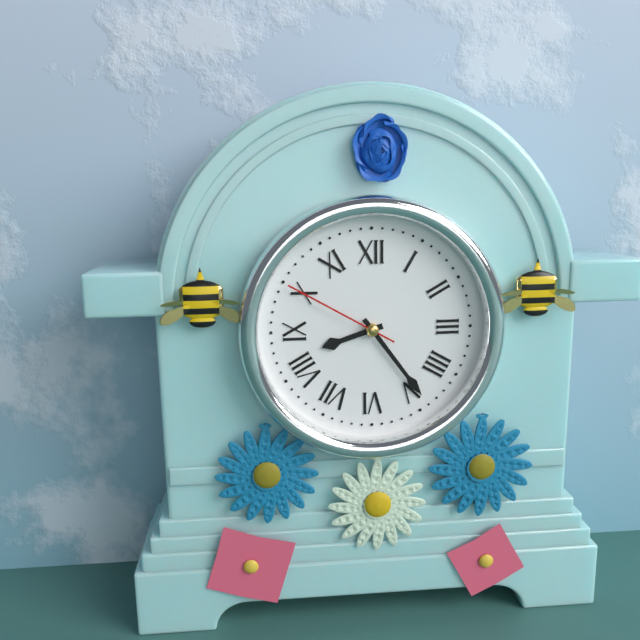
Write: 8,24,50
